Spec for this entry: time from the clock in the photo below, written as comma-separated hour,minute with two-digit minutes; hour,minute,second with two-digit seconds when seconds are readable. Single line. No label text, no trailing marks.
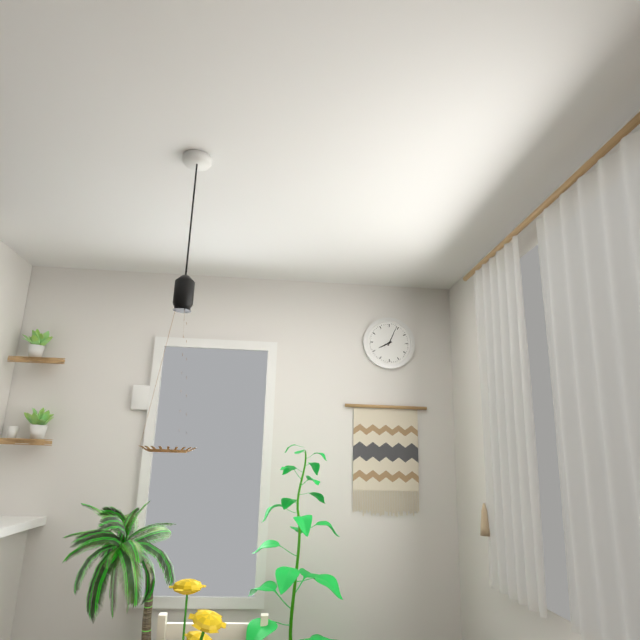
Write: 8,04
